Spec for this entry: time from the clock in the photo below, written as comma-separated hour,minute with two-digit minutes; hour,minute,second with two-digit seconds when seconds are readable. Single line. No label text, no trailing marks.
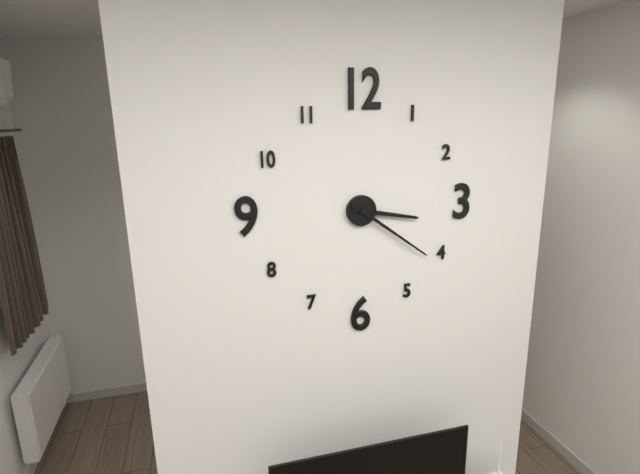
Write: 3,21
